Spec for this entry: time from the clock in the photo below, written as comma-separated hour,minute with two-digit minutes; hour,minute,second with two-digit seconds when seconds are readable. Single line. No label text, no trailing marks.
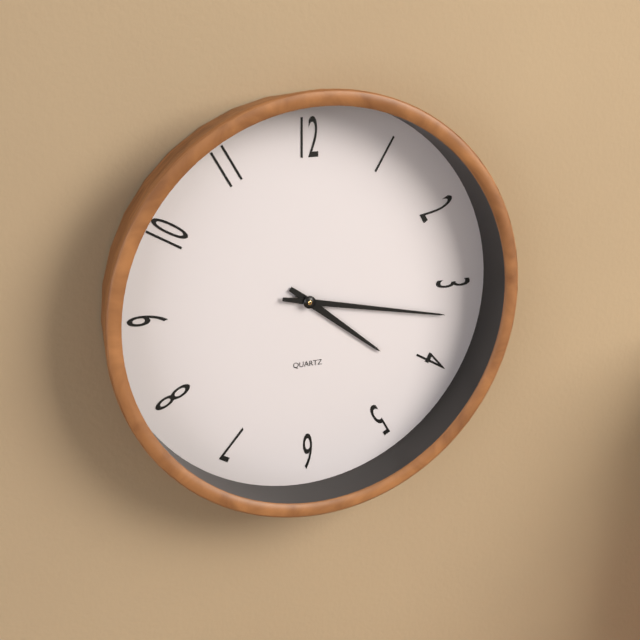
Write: 4,17
